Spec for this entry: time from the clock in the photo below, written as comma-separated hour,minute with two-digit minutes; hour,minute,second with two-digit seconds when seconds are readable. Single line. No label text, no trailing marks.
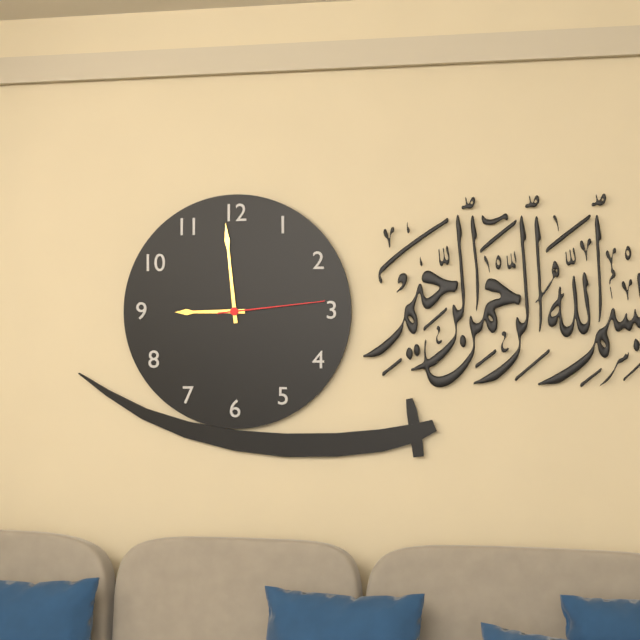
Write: 8,59,14
